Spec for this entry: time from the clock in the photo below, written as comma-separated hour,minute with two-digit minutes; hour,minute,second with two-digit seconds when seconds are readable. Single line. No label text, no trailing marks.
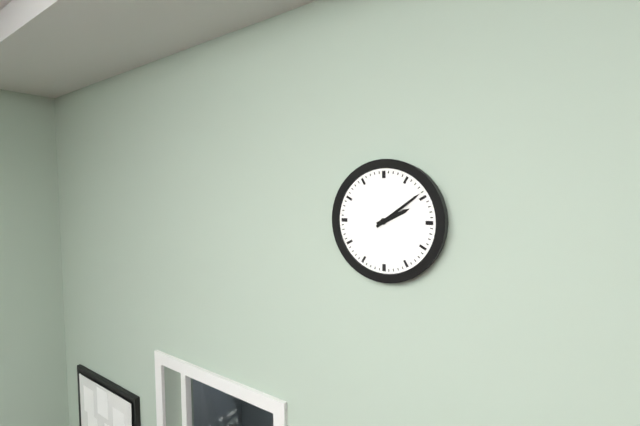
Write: 2,09
